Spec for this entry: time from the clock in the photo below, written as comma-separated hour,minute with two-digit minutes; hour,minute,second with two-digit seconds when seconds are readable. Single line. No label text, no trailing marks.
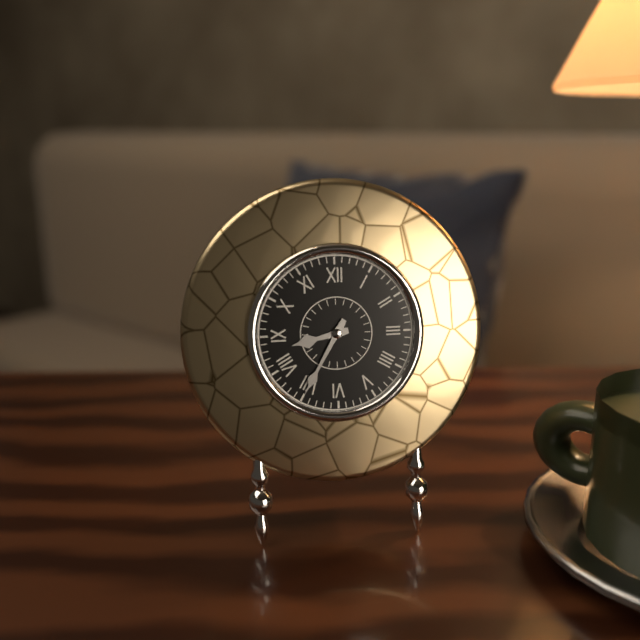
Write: 8,35
